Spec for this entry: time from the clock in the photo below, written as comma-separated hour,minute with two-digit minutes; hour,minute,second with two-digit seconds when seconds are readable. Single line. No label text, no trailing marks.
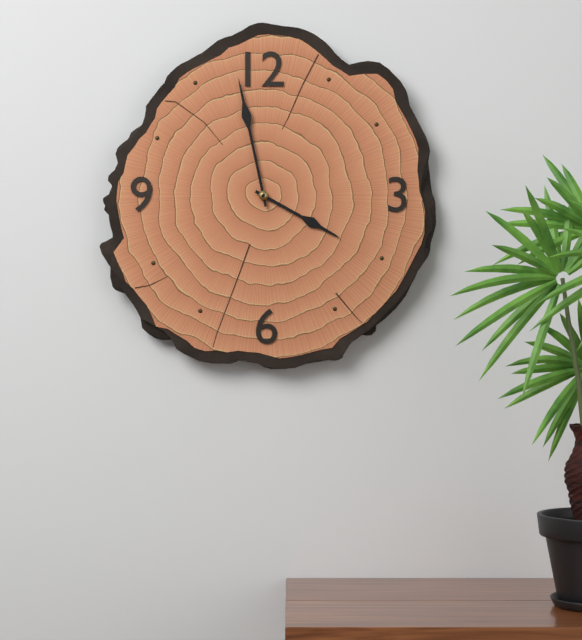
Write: 3,58
